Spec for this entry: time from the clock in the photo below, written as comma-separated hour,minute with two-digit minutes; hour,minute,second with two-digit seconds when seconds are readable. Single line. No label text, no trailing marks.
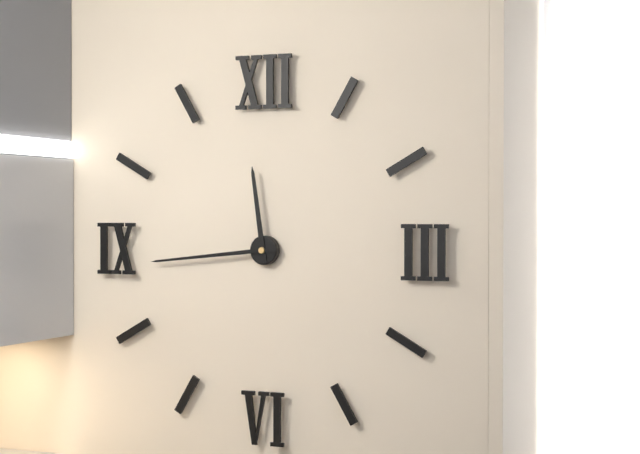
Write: 11,44
